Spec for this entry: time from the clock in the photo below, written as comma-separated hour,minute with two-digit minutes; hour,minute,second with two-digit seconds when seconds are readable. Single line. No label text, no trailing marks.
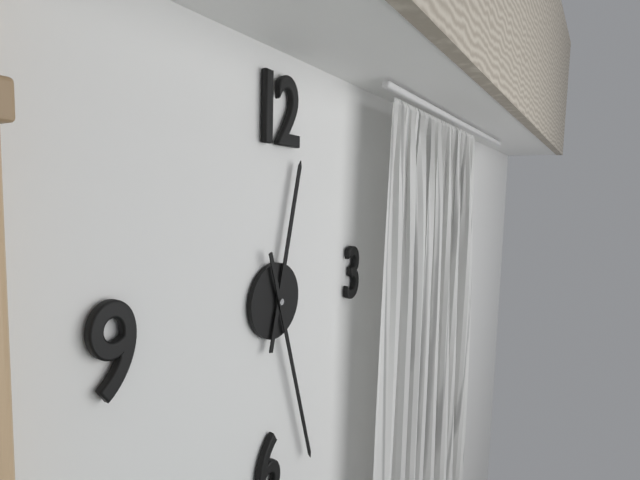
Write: 12,27
